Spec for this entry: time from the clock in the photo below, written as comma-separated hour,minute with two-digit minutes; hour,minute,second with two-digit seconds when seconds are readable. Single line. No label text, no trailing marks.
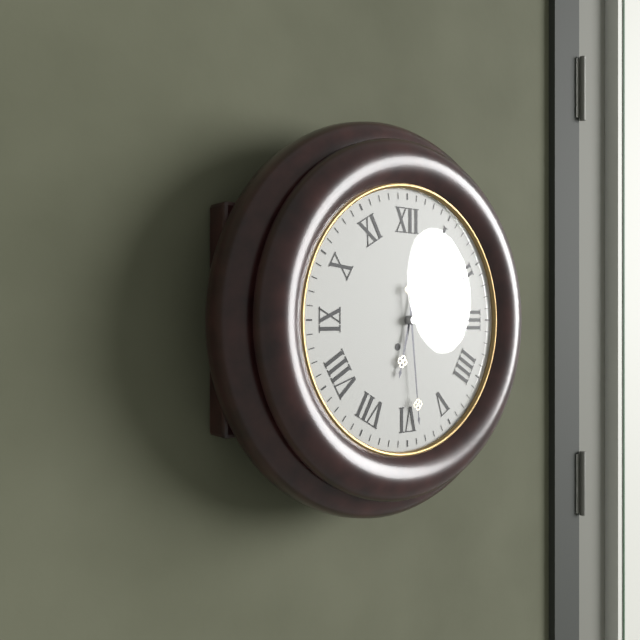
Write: 6,29
